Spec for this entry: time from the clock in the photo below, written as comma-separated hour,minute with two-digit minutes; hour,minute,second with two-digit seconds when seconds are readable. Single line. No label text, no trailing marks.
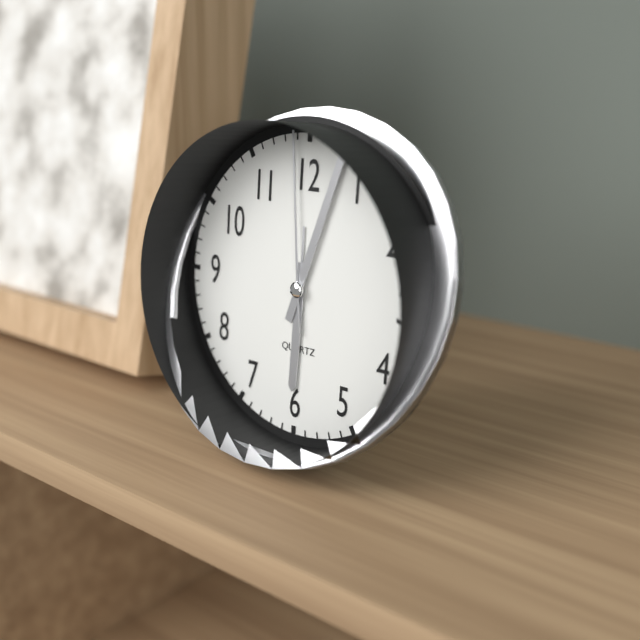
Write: 6,03,59
